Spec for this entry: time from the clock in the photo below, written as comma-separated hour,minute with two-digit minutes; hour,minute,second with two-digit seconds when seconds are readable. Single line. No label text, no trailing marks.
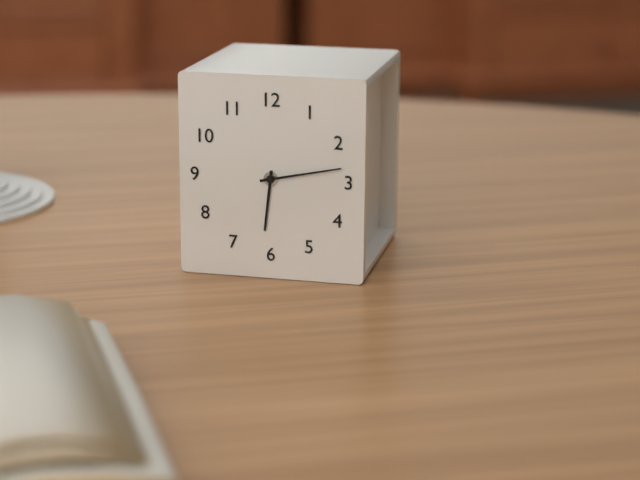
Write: 6,13
